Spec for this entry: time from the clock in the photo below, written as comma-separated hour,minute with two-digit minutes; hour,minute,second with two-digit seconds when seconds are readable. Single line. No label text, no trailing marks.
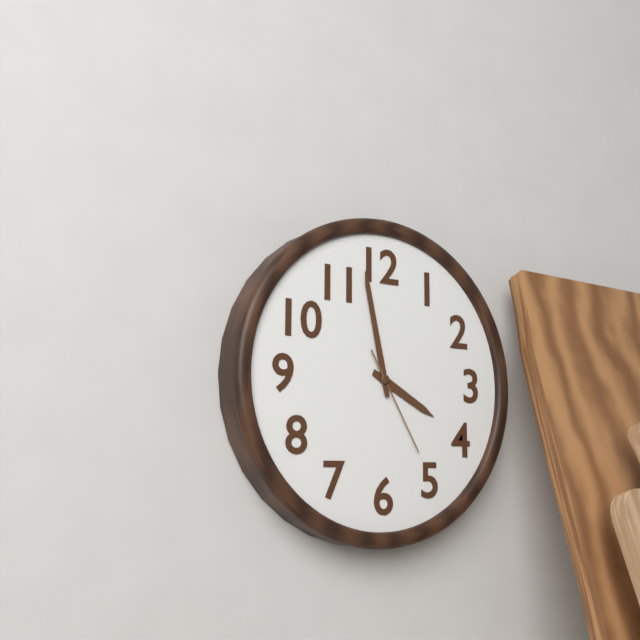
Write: 3,58,25
